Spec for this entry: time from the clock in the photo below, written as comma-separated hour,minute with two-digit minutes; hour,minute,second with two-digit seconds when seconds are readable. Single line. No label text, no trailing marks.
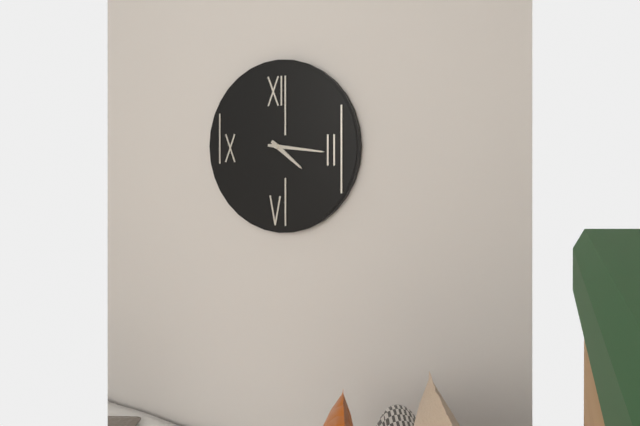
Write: 4,16
